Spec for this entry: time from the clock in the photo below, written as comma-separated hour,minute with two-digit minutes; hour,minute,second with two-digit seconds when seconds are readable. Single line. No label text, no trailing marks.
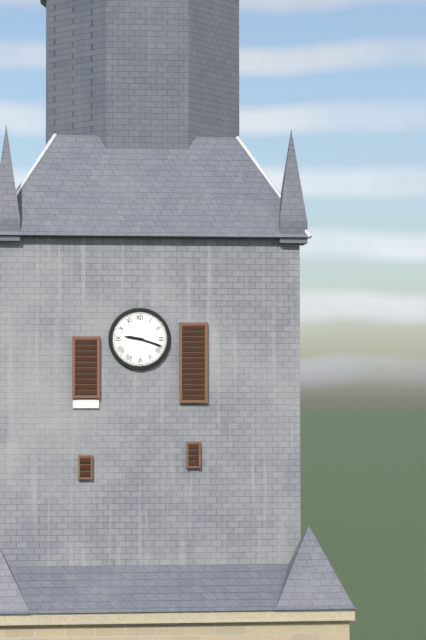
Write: 9,18
